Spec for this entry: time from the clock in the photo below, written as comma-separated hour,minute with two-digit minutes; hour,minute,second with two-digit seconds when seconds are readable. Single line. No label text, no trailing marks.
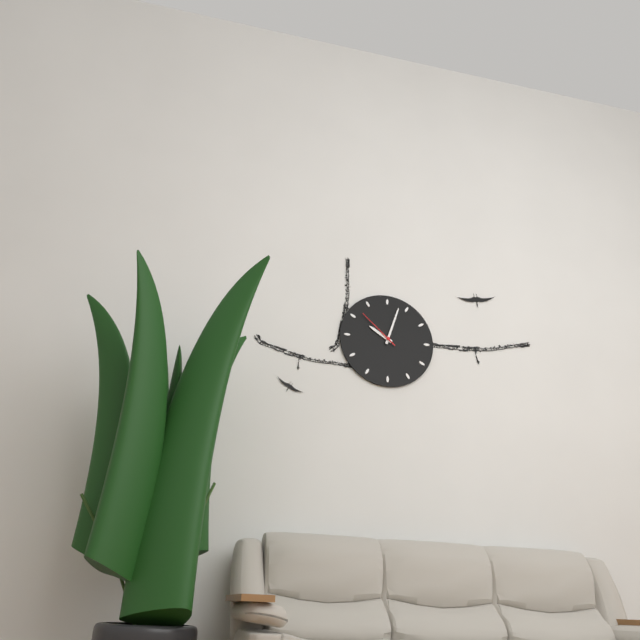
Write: 10,03
